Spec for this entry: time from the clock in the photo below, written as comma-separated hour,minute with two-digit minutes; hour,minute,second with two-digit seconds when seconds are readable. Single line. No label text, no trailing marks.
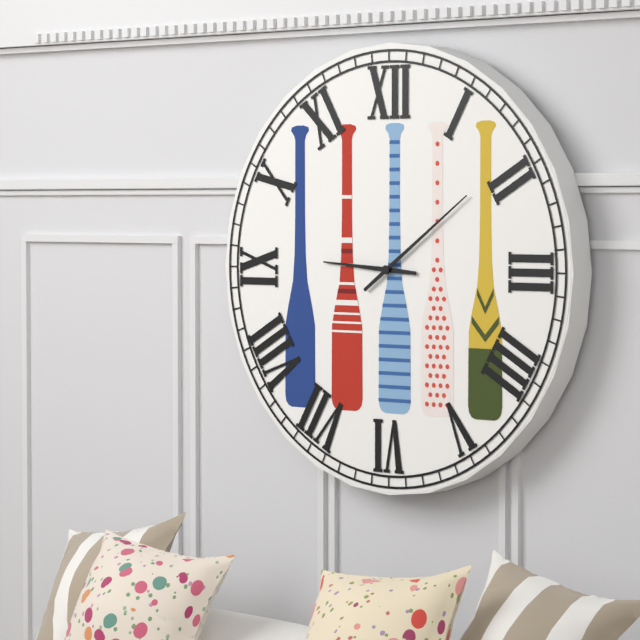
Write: 9,09
